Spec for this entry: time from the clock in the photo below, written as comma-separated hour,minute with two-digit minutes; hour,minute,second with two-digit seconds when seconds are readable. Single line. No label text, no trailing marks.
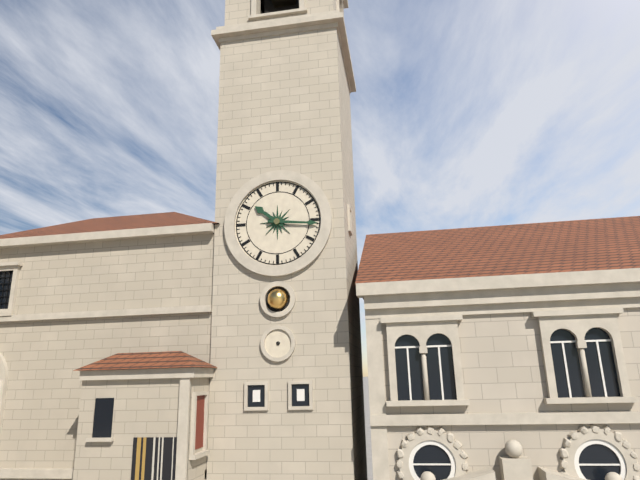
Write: 10,16
